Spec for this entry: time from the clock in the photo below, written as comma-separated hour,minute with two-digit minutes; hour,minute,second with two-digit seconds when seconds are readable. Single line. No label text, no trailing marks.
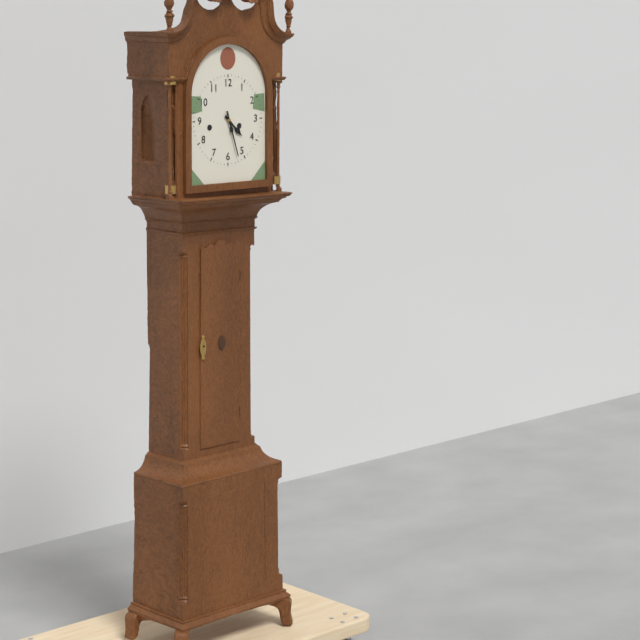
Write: 4,27
